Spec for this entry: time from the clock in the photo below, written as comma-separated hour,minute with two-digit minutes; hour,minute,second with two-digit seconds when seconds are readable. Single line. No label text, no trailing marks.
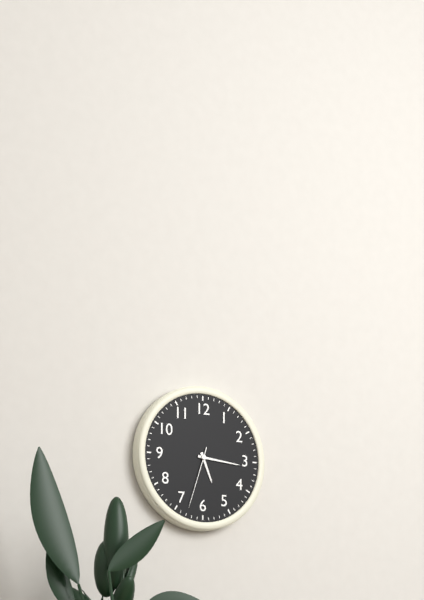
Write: 5,16,33
